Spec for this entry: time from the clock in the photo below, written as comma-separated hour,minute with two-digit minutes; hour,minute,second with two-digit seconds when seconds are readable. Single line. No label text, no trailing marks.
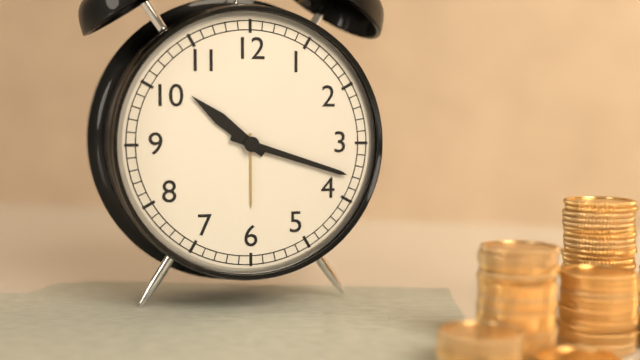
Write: 10,18
